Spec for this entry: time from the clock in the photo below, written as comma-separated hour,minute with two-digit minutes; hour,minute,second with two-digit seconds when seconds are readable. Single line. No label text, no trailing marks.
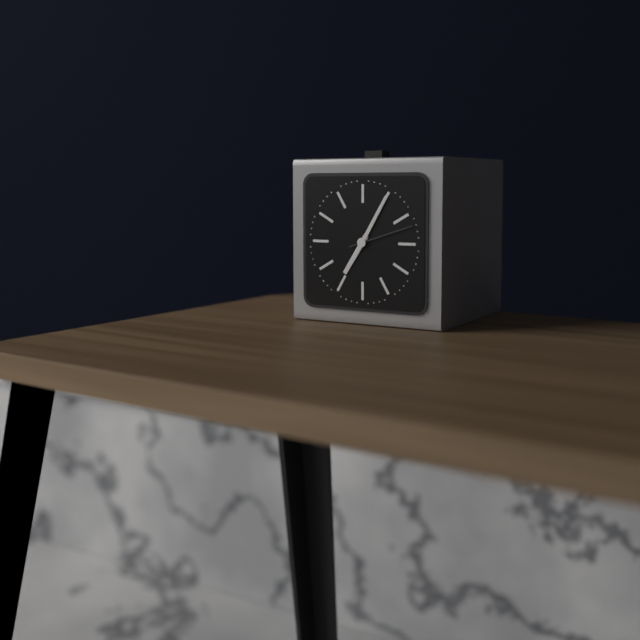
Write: 7,05,12
